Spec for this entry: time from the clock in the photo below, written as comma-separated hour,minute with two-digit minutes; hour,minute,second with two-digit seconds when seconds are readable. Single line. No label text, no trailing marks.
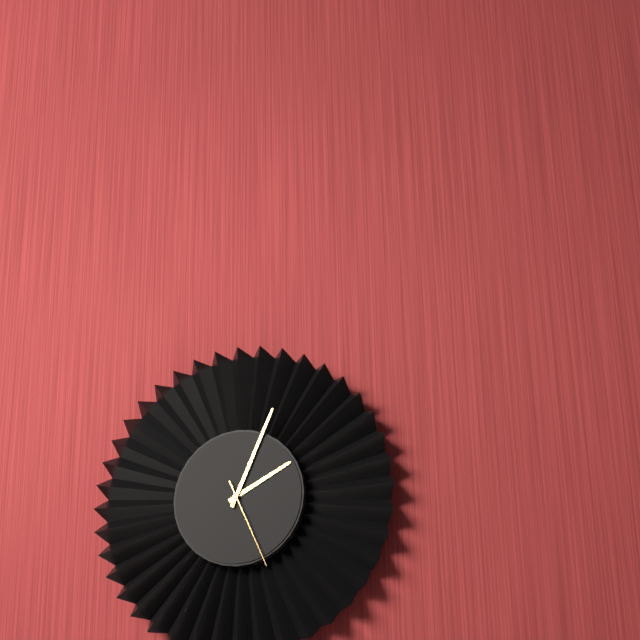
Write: 2,04,26
